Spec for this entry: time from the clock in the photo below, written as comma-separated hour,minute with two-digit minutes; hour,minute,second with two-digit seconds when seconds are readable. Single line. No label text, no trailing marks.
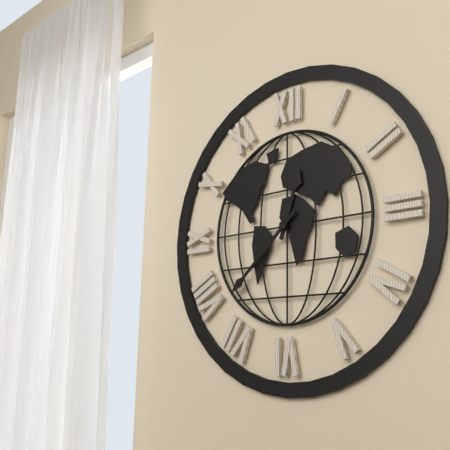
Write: 12,38
